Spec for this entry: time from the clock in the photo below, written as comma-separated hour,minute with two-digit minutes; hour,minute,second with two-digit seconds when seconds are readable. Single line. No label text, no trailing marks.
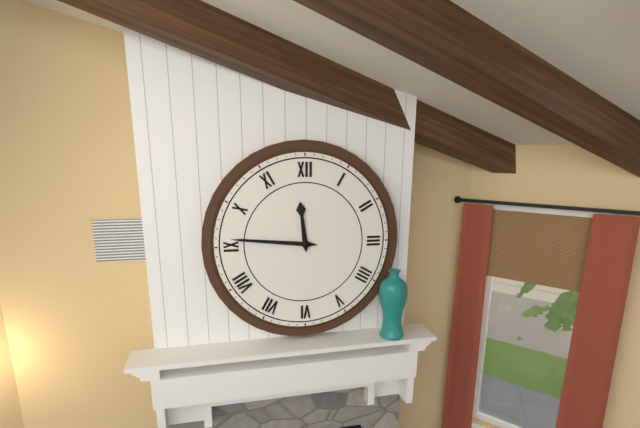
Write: 11,46
